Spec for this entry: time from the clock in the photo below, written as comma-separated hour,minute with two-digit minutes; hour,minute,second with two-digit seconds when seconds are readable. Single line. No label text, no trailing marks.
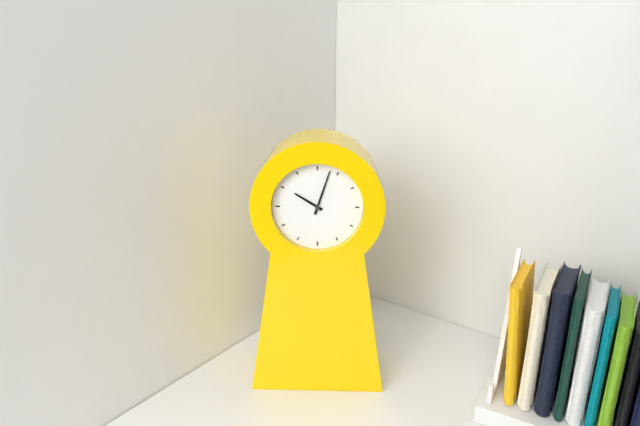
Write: 10,03
